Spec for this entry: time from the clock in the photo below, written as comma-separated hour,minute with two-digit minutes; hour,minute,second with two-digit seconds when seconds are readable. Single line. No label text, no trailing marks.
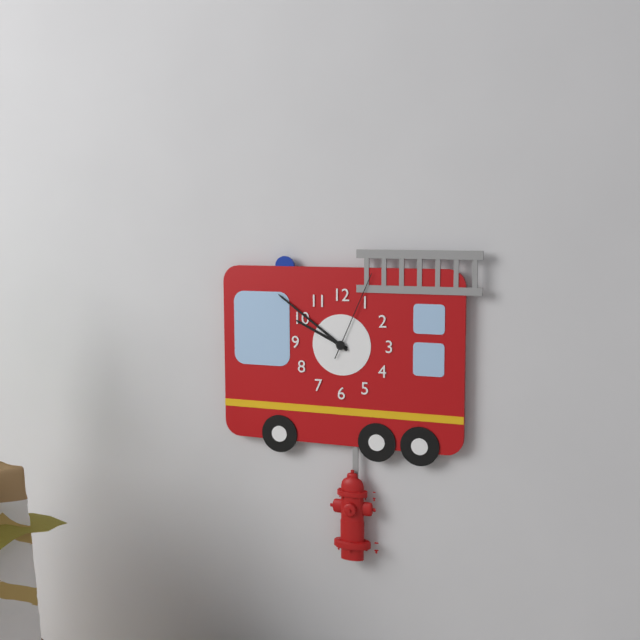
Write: 9,51,04
